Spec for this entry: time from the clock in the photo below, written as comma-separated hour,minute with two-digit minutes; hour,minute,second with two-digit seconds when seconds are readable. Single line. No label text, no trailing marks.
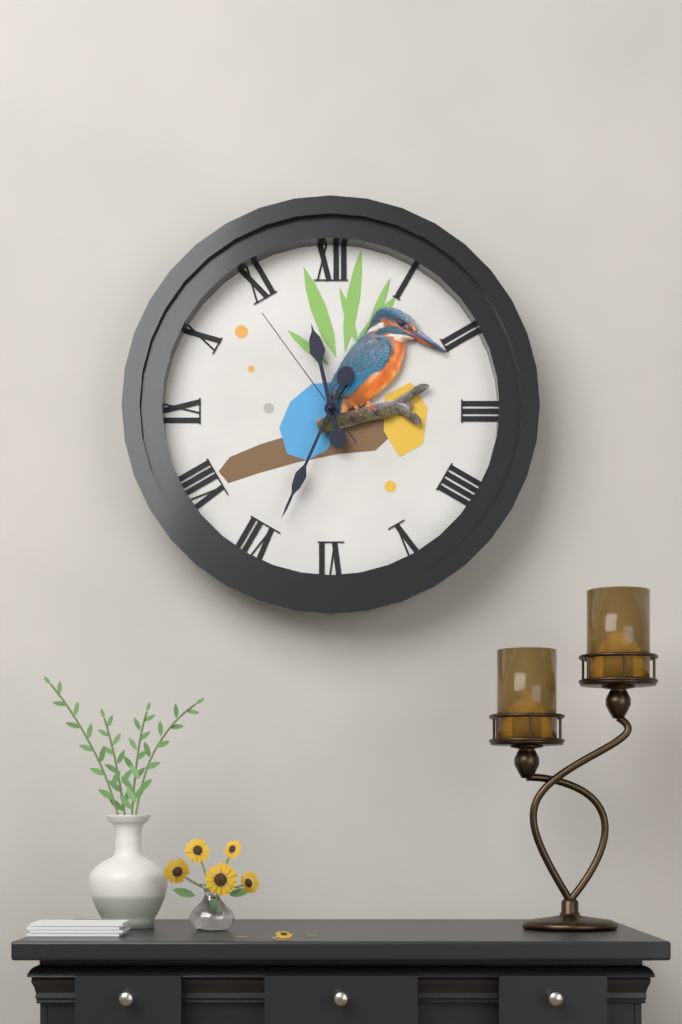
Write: 11,34,54
